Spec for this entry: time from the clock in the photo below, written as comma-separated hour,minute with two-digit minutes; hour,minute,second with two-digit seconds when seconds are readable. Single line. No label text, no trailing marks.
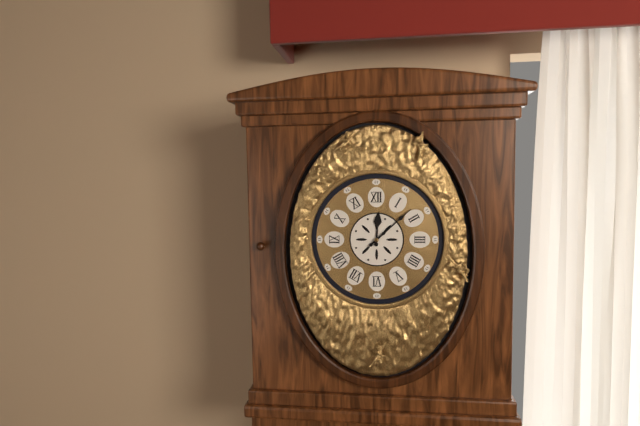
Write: 12,08
